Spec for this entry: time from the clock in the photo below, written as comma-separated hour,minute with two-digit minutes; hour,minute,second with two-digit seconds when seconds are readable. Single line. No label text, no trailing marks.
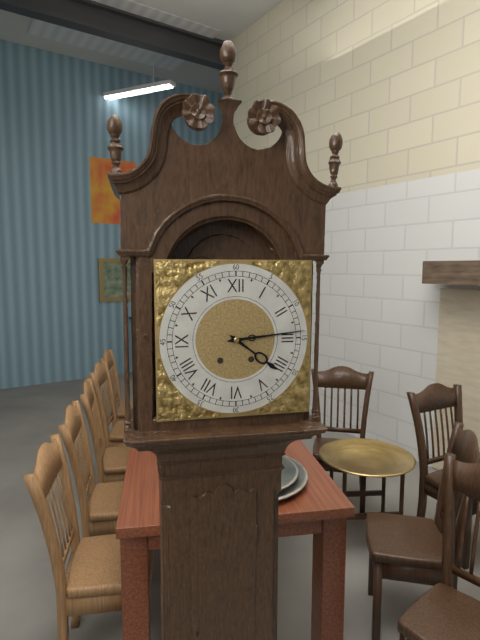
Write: 4,14
